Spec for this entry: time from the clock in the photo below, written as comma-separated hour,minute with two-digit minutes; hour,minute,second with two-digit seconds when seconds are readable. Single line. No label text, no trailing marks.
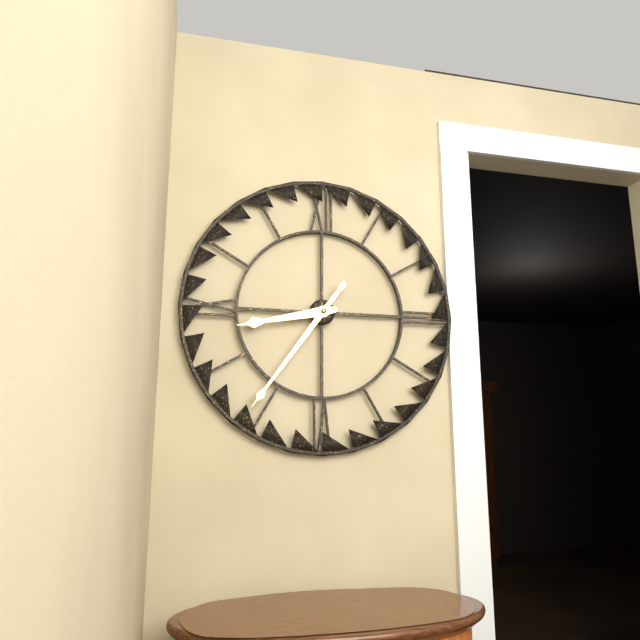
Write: 8,36
